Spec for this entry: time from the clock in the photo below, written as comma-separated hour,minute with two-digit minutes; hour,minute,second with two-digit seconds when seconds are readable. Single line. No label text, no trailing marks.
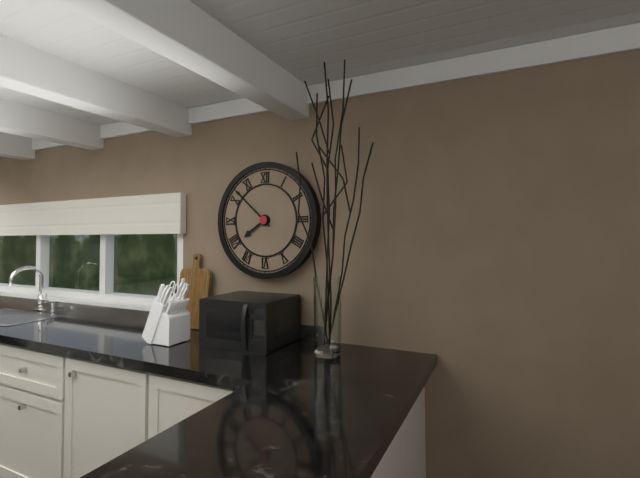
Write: 7,52
